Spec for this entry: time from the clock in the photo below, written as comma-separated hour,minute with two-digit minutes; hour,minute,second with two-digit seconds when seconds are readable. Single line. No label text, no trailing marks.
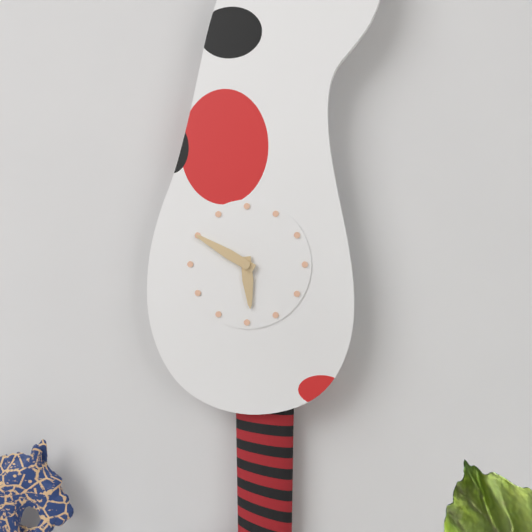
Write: 5,50
